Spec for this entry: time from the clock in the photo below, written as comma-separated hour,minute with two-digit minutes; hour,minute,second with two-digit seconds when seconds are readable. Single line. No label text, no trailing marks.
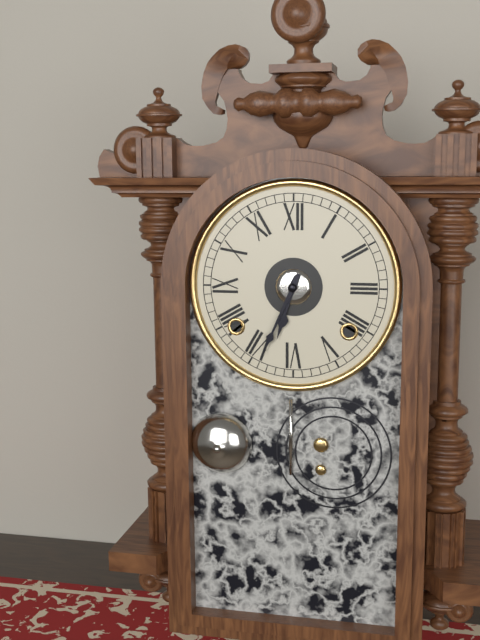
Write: 6,34
